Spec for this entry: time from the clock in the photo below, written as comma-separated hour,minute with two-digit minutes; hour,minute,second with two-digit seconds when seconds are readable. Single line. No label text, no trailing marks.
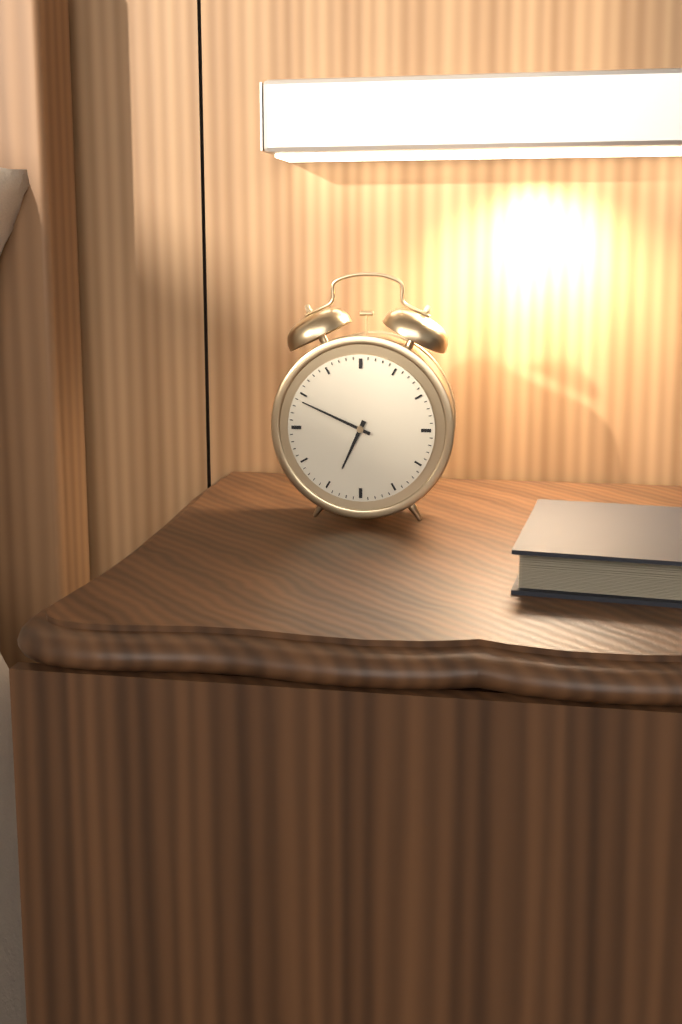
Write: 6,49
